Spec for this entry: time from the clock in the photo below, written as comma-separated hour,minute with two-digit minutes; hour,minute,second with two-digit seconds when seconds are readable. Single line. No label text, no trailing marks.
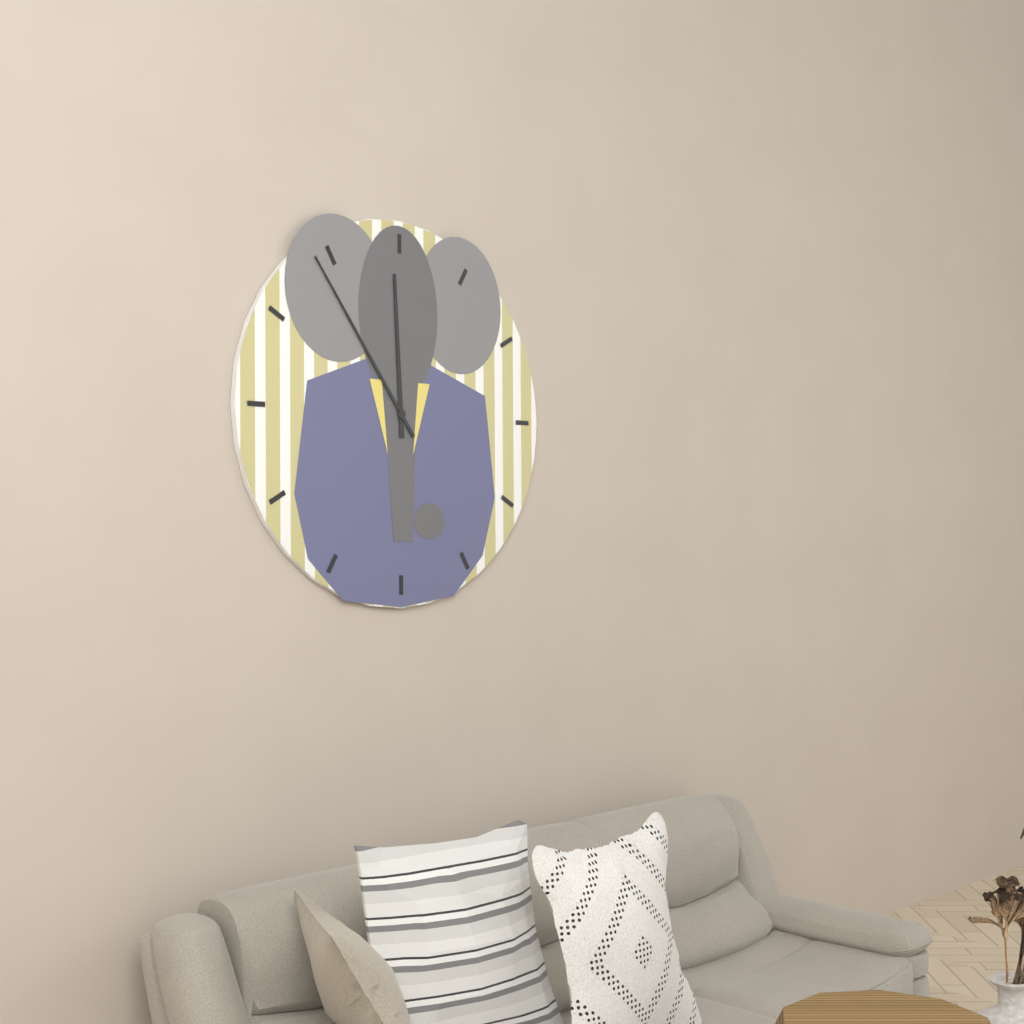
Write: 11,54
